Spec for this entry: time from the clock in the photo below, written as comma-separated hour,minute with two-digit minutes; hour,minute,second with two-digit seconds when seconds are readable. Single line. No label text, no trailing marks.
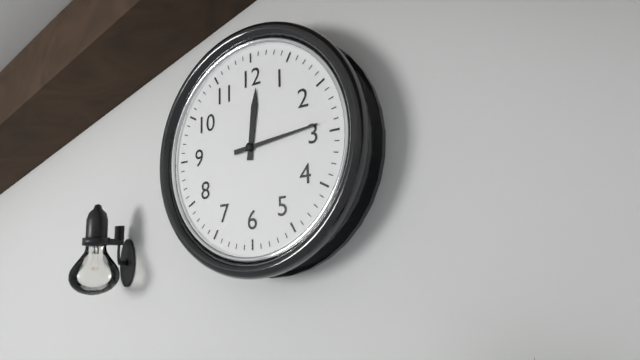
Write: 12,14
